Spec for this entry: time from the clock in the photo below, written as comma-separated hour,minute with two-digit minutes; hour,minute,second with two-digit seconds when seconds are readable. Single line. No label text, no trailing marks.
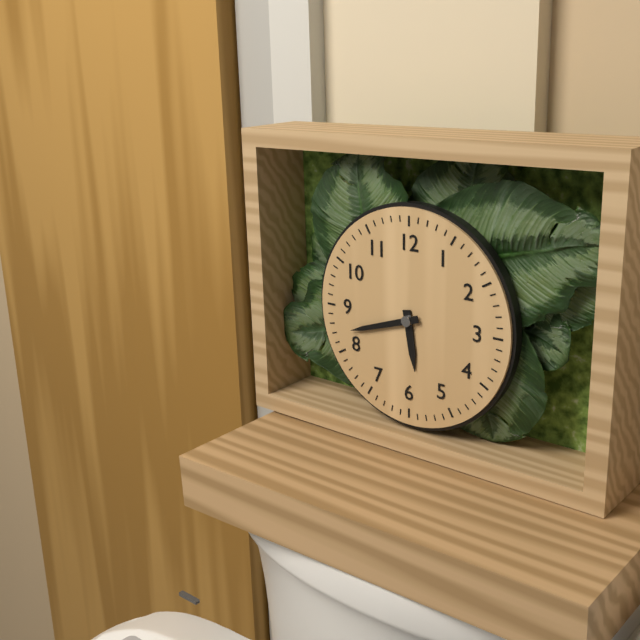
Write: 5,42
